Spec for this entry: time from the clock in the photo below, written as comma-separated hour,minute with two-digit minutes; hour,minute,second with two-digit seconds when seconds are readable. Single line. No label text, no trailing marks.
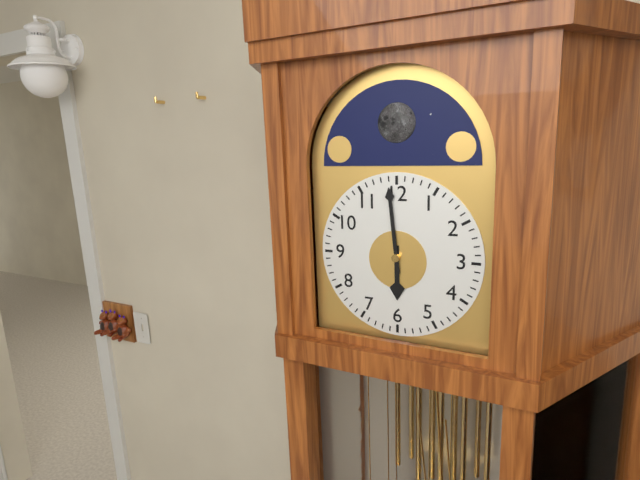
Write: 5,59
